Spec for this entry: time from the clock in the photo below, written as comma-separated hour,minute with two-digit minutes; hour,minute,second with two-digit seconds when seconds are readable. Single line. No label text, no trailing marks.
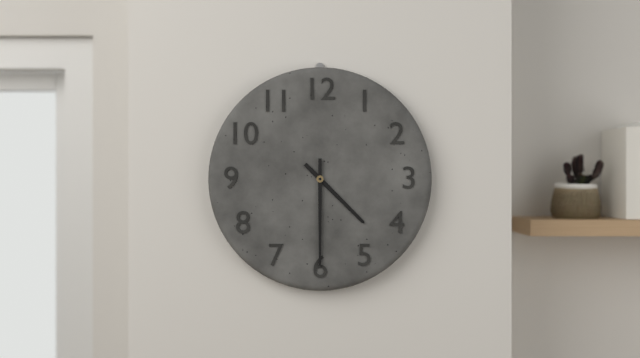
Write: 4,30
